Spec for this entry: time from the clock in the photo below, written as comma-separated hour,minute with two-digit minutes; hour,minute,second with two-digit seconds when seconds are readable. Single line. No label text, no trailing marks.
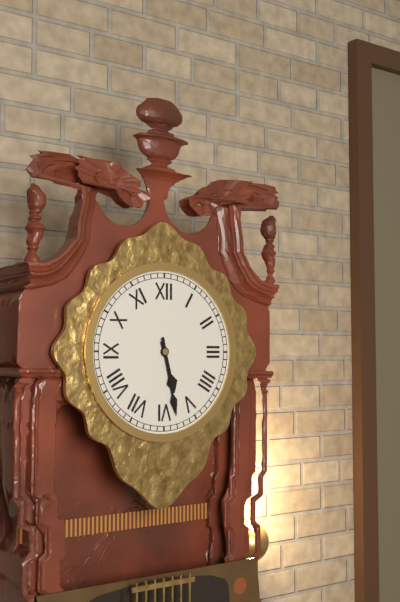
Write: 5,28
